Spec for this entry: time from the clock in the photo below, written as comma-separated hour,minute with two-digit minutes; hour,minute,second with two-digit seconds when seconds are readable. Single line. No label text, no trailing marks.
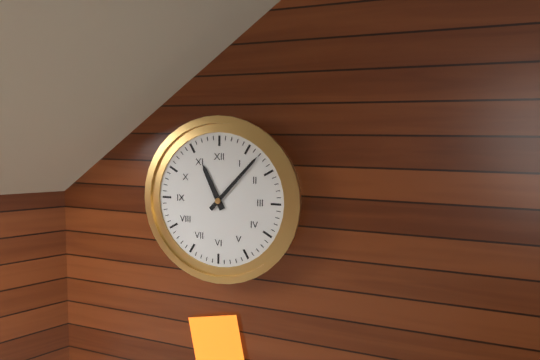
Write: 11,07
